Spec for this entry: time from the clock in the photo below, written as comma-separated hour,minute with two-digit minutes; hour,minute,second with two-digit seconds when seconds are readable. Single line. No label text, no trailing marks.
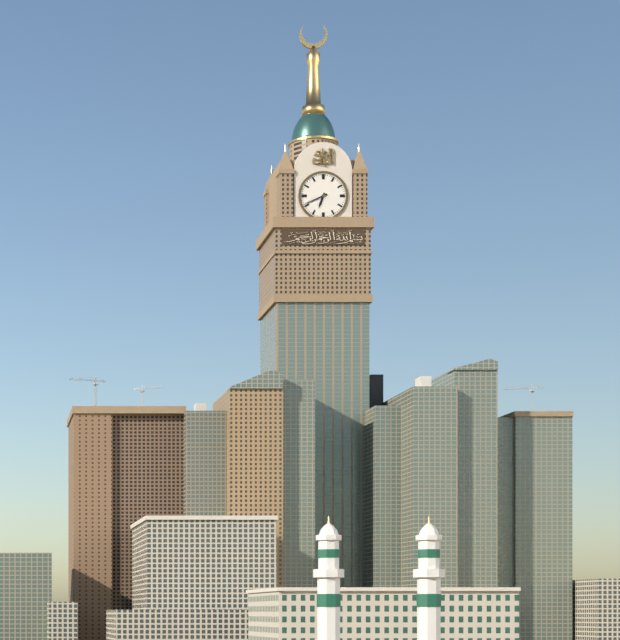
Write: 6,41
